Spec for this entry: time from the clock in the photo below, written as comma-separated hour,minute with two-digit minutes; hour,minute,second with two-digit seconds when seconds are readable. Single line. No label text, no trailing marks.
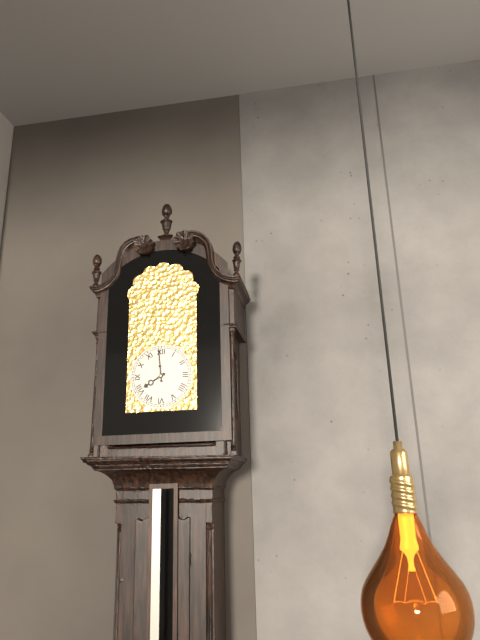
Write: 7,59
